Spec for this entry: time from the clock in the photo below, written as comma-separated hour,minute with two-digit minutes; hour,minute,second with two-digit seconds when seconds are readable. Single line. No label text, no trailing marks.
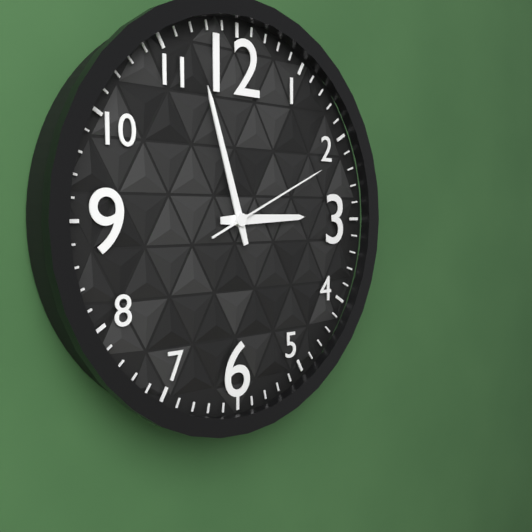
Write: 2,57,11
